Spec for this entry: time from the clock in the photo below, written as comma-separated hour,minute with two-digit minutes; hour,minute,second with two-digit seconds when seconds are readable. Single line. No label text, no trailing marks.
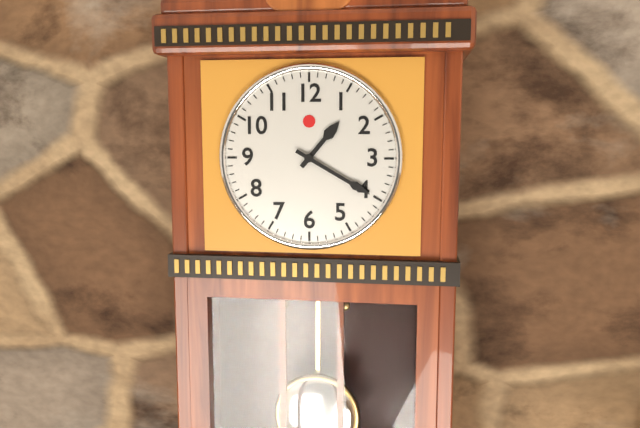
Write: 1,20
